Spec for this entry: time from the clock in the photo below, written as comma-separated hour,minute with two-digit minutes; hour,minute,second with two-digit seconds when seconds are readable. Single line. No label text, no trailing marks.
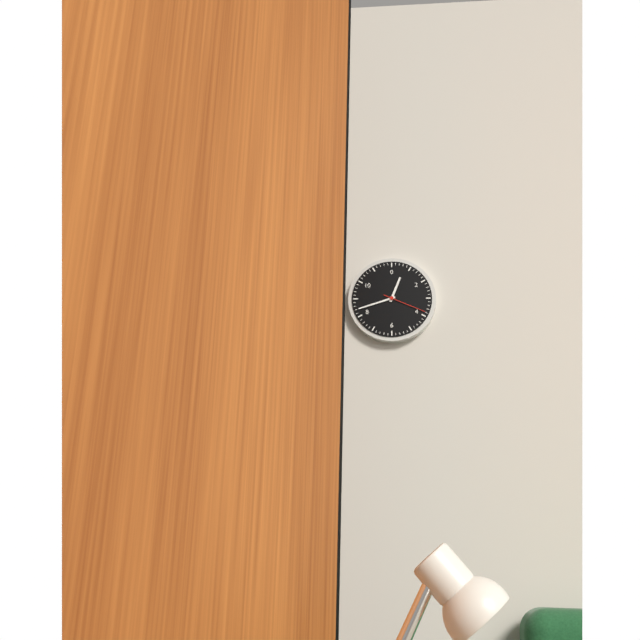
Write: 12,42
